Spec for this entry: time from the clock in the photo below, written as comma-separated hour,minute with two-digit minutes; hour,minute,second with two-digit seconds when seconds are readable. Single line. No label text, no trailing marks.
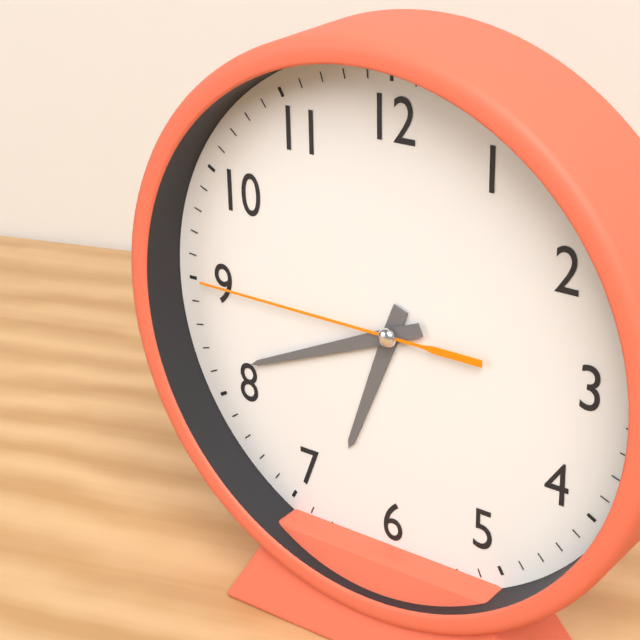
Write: 6,41,45
